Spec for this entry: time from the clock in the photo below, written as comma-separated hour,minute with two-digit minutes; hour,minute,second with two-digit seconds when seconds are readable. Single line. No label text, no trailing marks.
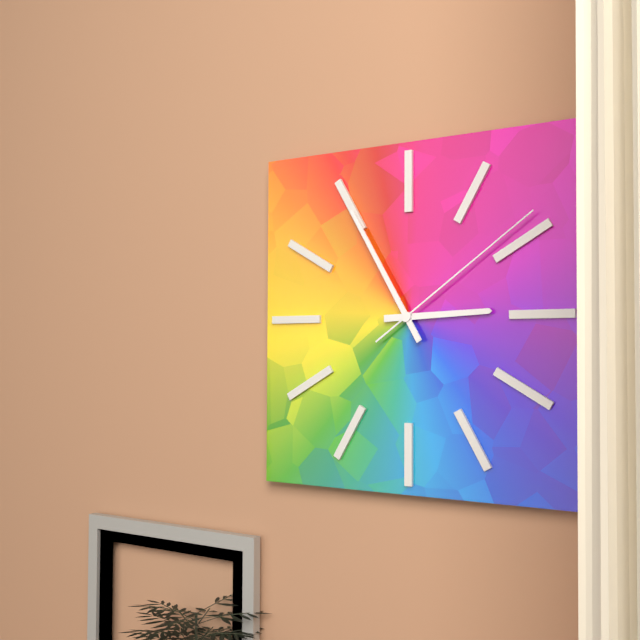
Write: 2,55,09
